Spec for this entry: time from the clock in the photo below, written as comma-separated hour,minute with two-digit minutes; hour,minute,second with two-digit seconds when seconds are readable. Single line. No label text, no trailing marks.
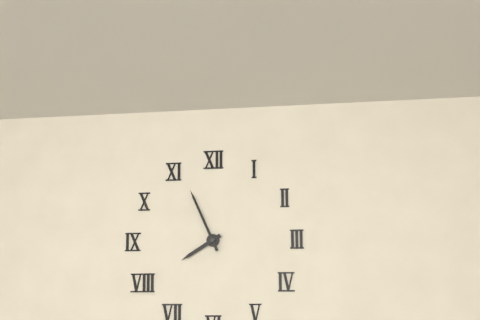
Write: 7,56
